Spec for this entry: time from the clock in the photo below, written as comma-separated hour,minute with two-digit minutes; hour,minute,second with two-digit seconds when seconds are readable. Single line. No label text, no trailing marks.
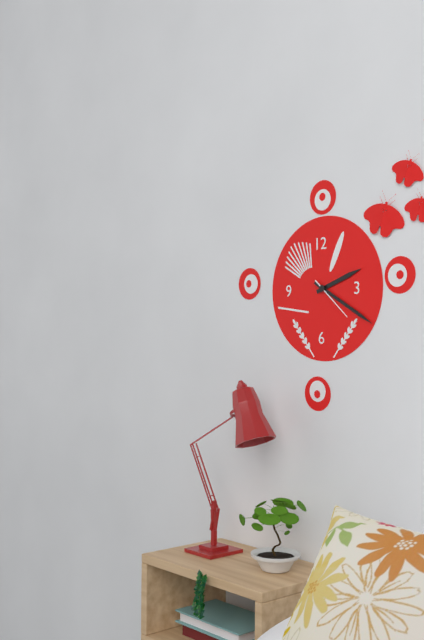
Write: 2,20
